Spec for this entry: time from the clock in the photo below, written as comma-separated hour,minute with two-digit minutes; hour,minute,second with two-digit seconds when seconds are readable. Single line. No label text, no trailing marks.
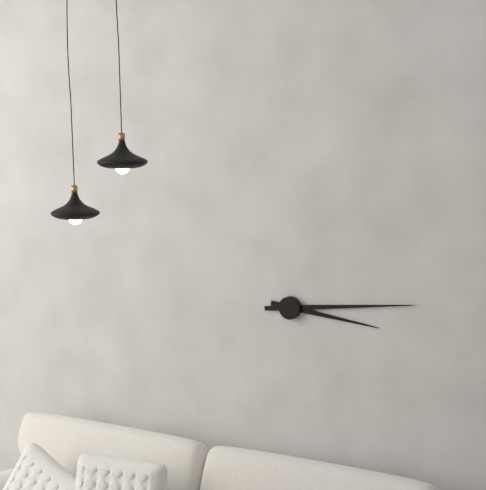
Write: 3,14
